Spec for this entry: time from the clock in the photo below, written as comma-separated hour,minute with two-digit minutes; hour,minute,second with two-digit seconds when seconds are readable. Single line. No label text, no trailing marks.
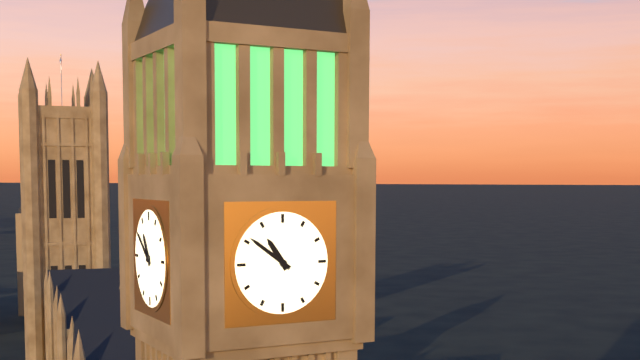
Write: 10,51
